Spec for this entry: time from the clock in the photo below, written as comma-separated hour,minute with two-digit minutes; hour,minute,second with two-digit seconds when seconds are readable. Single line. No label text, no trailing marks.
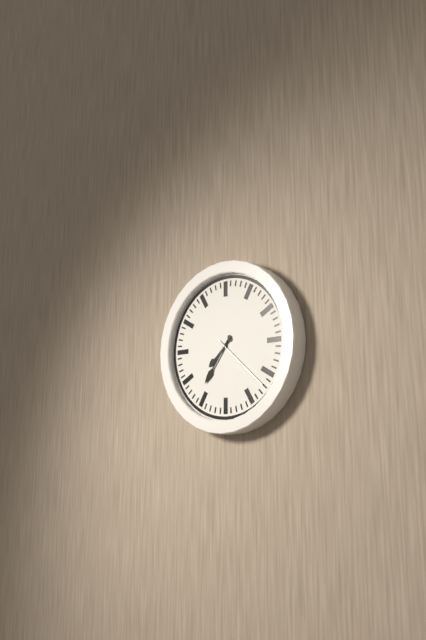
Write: 7,36,22
